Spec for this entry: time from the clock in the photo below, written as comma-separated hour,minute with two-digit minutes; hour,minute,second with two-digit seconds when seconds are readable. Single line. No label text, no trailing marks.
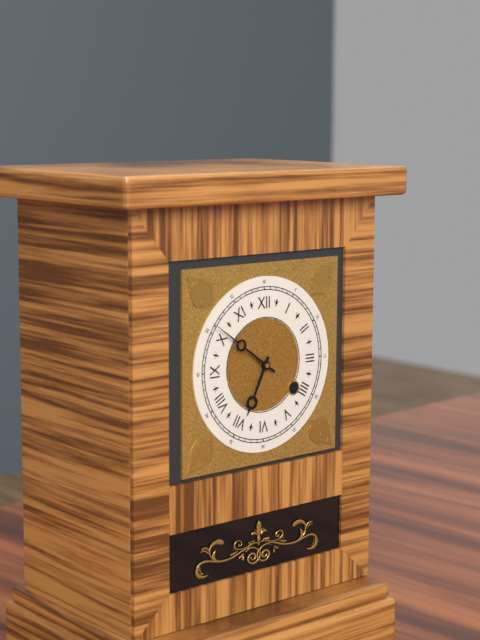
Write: 6,51
